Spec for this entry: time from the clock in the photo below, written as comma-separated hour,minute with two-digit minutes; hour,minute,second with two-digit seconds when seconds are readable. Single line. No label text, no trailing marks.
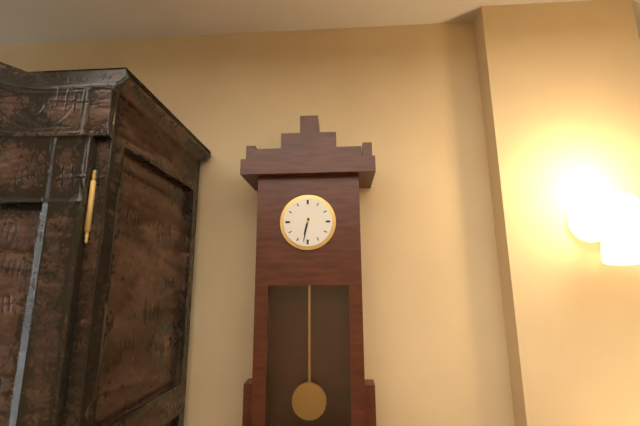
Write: 6,32
